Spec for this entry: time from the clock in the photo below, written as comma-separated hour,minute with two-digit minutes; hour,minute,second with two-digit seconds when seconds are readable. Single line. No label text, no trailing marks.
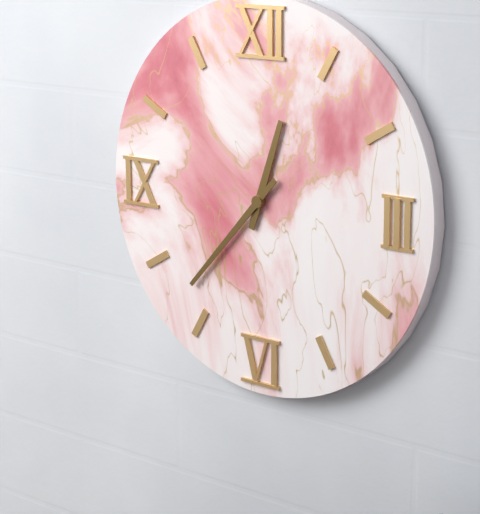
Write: 12,37
